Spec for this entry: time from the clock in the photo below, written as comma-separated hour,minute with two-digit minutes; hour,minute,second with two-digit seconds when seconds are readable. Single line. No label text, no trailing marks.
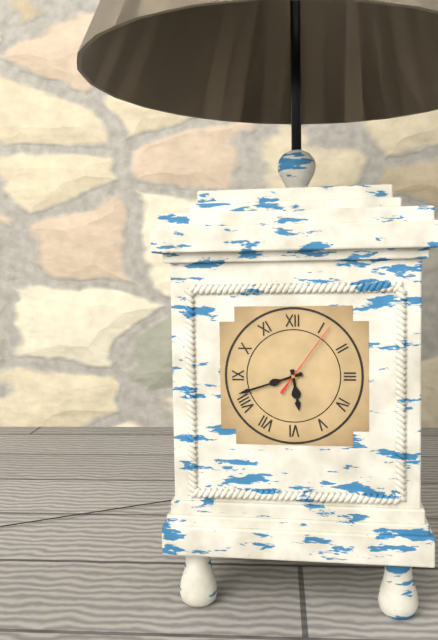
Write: 5,42,06
